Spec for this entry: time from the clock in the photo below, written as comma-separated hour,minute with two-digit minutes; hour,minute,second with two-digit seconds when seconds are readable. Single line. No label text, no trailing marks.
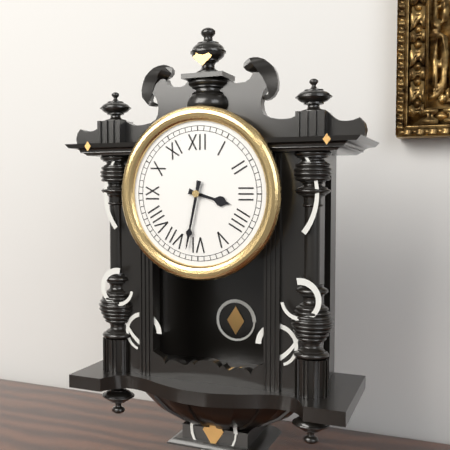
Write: 3,32
